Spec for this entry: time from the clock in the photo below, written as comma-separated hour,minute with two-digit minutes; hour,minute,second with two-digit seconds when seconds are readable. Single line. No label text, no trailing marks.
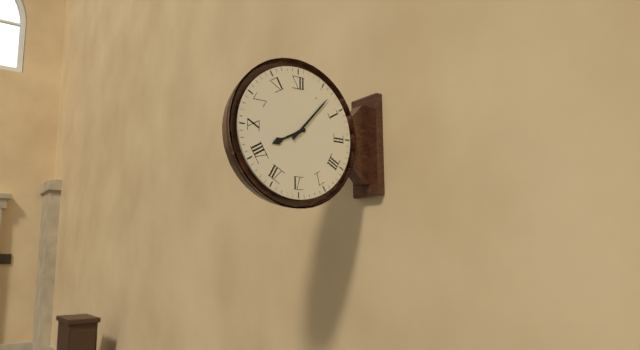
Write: 8,07
